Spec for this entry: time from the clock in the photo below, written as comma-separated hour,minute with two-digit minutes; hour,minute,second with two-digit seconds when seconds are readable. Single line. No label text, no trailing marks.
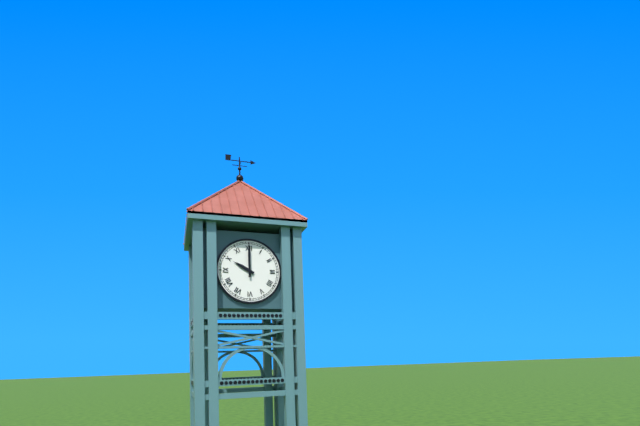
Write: 10,00
